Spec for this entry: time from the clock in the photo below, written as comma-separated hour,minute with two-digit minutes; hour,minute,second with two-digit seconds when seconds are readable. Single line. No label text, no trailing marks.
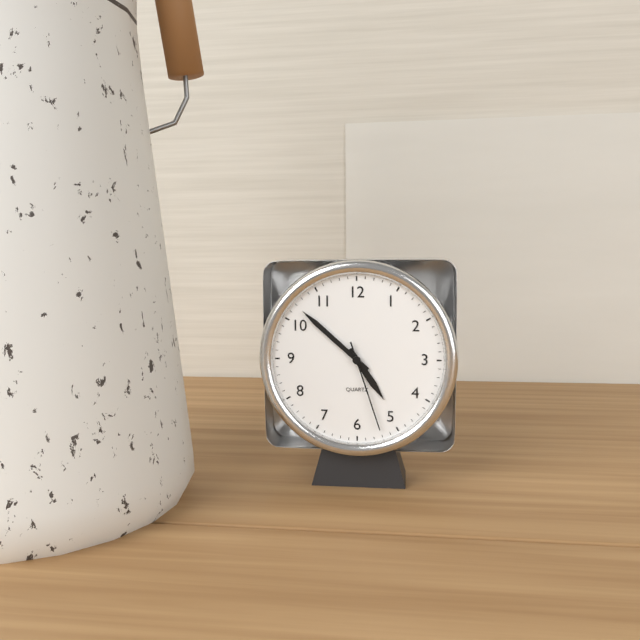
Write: 4,52,27
